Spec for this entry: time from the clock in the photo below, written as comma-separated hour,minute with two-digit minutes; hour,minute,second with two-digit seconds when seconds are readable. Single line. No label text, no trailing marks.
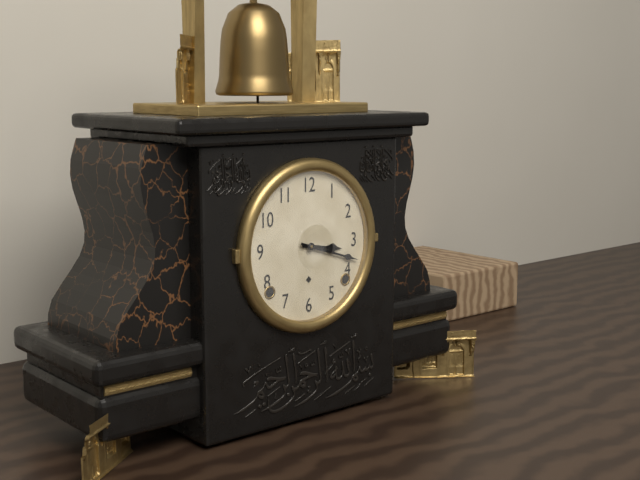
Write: 3,18
